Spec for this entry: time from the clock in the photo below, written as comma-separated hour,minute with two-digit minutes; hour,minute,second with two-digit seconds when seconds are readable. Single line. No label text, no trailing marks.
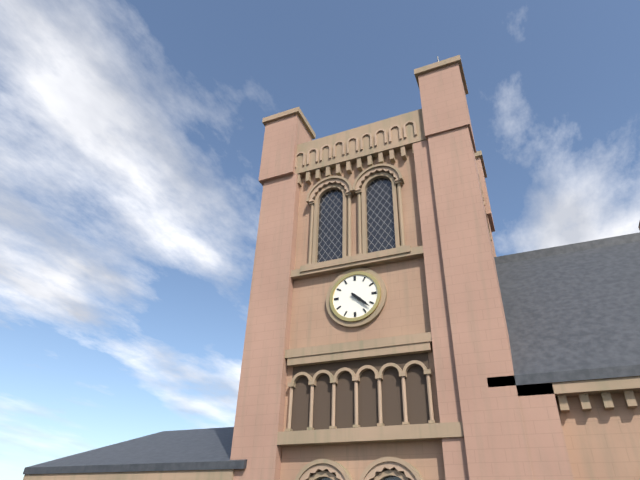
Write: 4,22
